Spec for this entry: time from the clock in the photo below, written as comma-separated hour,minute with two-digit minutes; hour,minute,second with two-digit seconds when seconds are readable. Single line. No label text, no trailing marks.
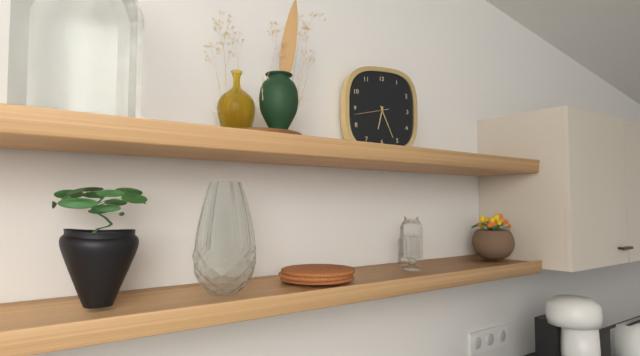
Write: 6,26
